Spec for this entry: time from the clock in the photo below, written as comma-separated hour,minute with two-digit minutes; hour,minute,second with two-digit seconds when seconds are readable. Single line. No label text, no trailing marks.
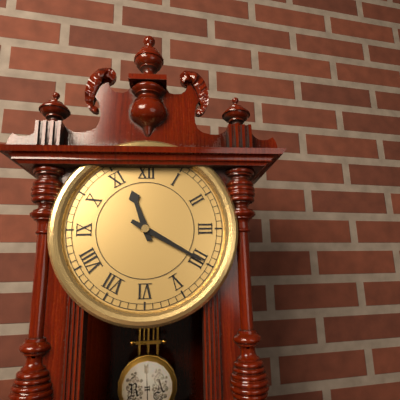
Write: 11,20
